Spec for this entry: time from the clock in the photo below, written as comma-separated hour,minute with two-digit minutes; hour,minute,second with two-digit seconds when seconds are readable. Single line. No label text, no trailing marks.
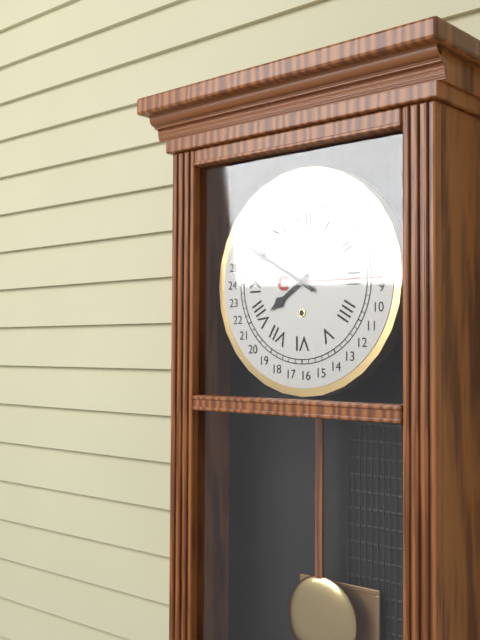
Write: 7,50
